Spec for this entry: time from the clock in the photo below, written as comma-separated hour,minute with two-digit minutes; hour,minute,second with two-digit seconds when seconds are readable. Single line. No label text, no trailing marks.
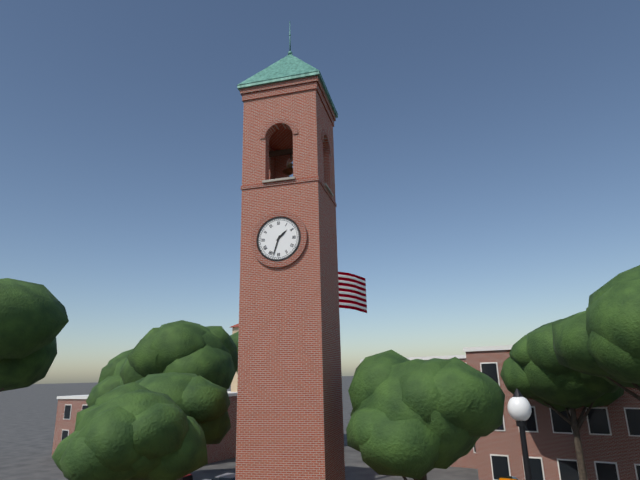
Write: 1,33
